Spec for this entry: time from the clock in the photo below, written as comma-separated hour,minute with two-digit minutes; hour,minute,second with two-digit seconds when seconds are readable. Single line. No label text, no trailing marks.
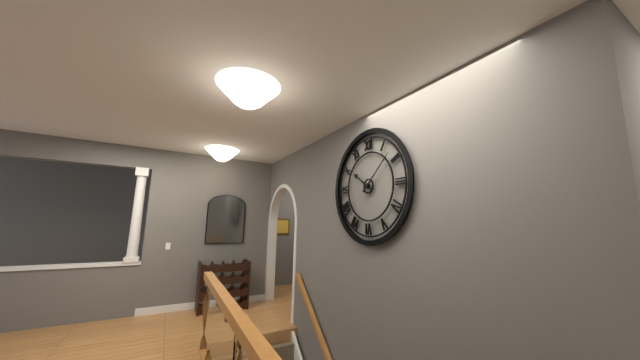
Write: 10,08
